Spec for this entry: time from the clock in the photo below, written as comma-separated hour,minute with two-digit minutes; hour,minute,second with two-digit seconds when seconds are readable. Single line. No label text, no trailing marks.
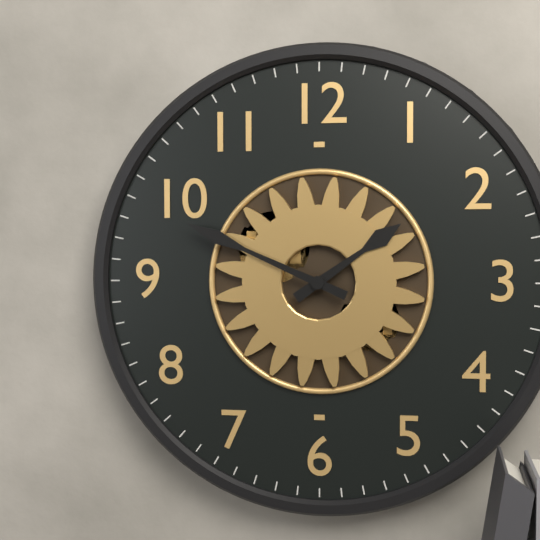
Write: 1,49
